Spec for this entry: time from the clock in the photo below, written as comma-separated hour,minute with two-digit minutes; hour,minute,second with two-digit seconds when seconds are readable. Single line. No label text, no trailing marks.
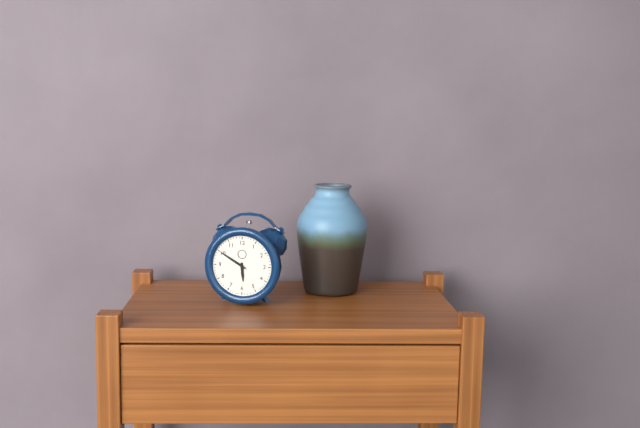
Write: 5,50
